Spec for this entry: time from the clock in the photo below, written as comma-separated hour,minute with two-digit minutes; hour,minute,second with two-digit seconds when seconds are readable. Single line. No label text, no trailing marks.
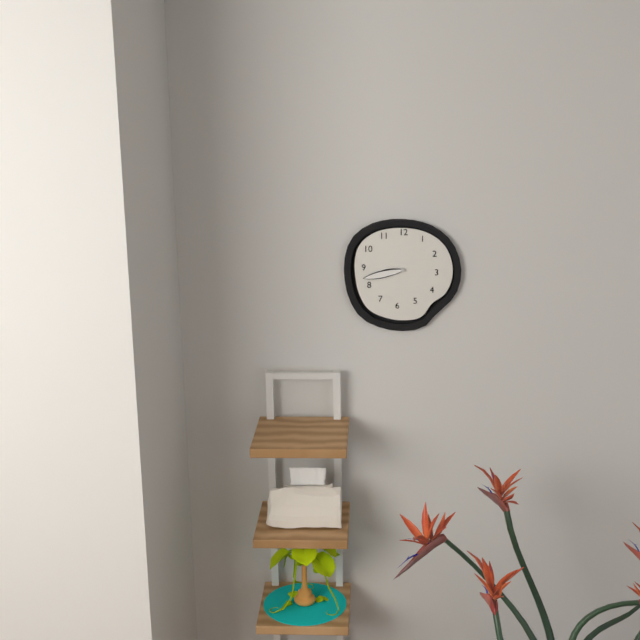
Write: 8,43
